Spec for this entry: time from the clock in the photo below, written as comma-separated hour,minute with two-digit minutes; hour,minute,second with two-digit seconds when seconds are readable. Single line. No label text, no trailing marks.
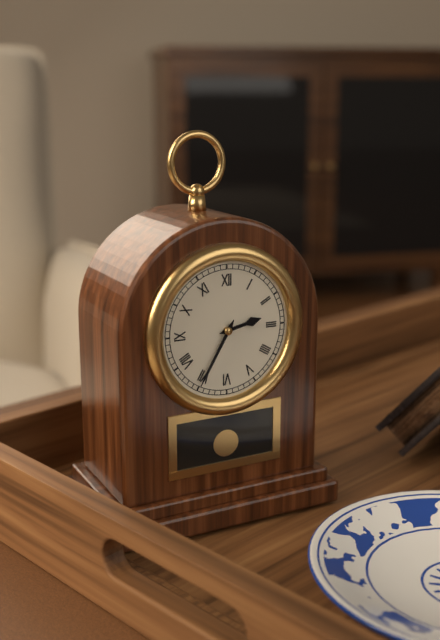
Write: 2,35
